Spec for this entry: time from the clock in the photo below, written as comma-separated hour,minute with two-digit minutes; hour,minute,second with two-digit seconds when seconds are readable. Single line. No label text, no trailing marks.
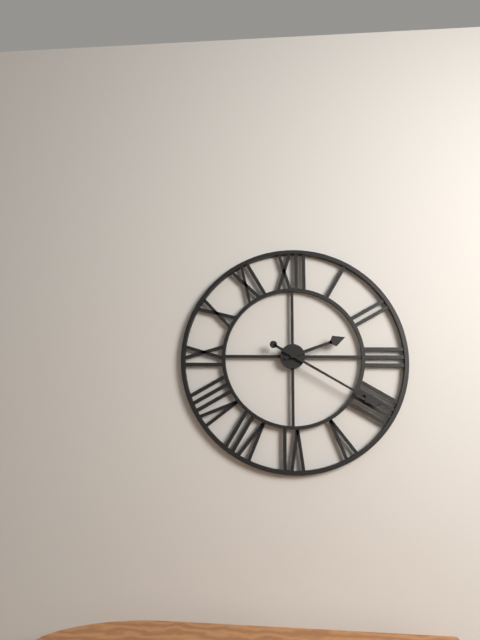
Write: 2,20
